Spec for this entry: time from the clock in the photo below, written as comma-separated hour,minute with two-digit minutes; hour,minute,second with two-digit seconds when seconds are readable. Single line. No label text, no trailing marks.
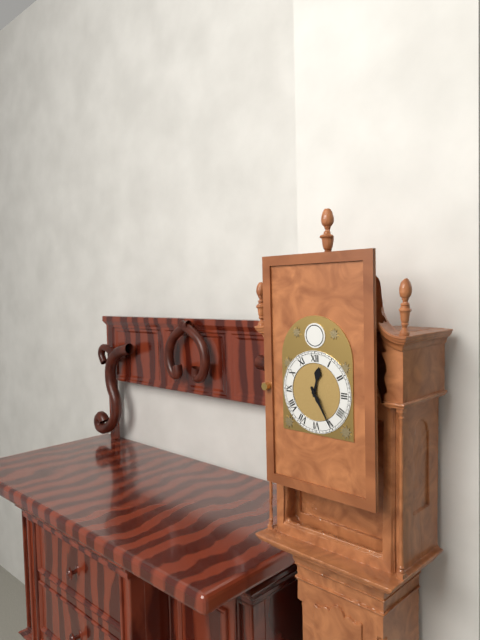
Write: 12,25
